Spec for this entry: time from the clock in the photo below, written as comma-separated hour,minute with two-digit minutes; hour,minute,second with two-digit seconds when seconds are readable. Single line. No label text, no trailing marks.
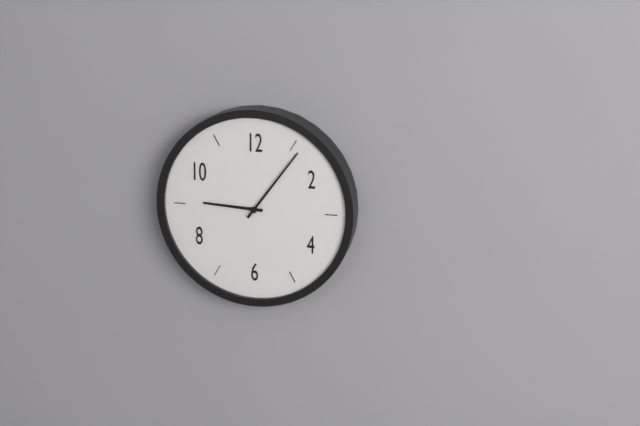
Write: 9,06
